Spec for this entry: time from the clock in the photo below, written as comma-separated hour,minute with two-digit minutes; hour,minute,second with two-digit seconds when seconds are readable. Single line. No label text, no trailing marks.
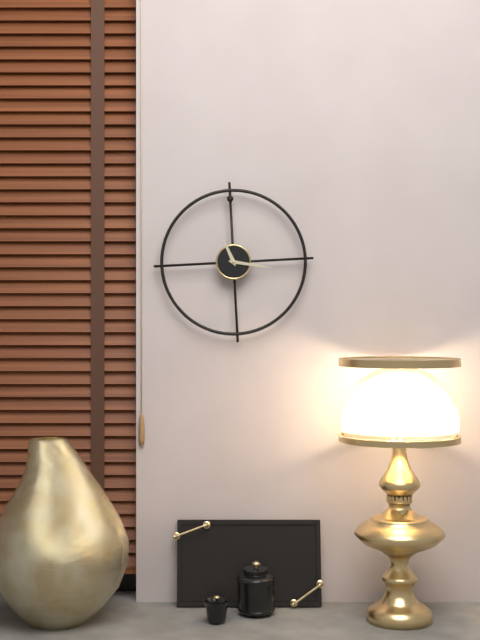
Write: 11,17
